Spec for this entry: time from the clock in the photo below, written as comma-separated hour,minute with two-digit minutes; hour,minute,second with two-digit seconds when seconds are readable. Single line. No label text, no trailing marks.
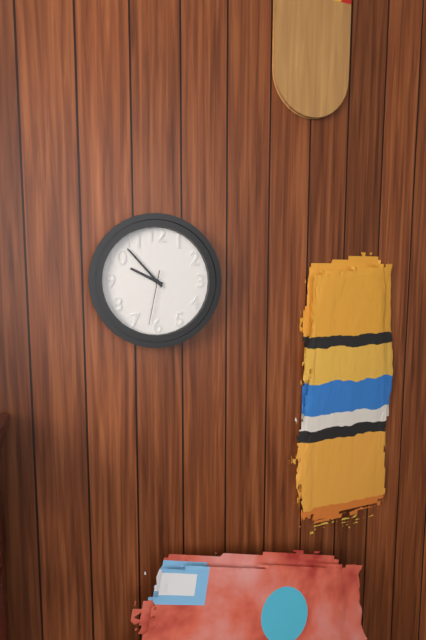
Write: 9,53,32
